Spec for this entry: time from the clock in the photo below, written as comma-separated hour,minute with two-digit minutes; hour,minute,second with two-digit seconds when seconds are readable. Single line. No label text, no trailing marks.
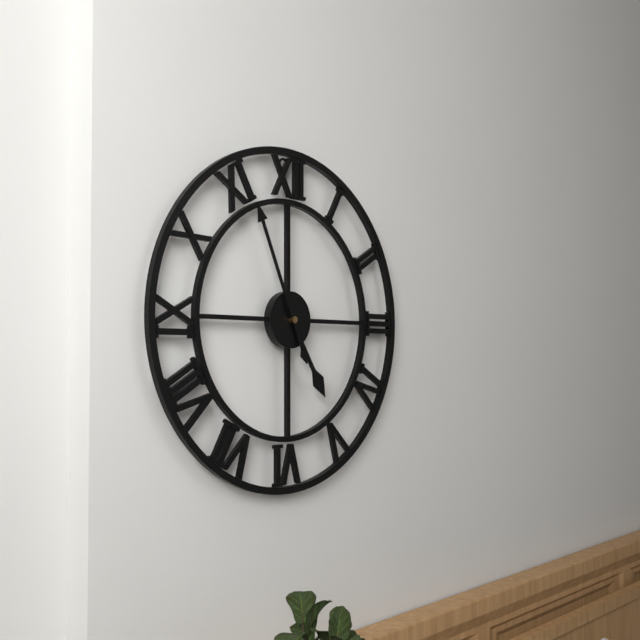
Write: 4,56
